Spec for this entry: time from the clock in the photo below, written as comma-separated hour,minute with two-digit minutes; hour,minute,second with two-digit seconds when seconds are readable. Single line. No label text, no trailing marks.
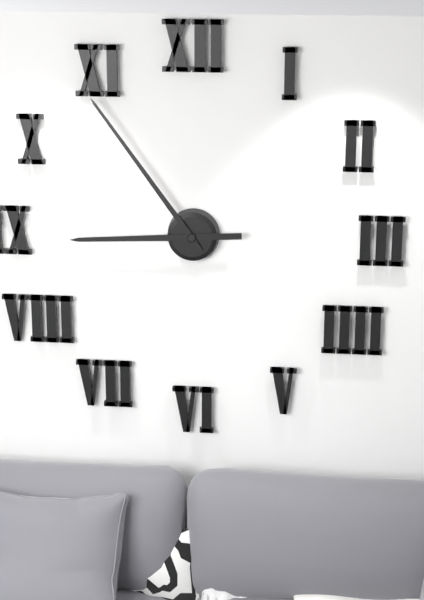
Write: 8,54
